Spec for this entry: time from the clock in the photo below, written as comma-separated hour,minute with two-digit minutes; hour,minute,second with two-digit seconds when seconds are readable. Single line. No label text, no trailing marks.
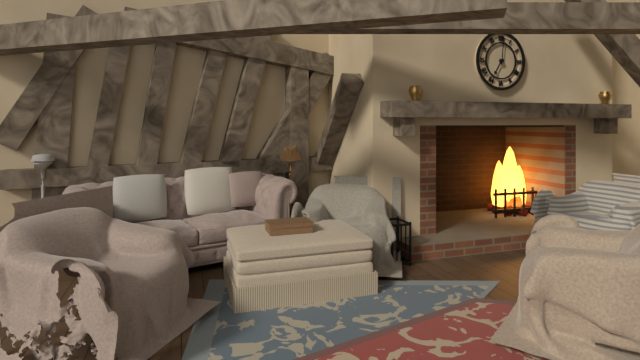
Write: 7,01
